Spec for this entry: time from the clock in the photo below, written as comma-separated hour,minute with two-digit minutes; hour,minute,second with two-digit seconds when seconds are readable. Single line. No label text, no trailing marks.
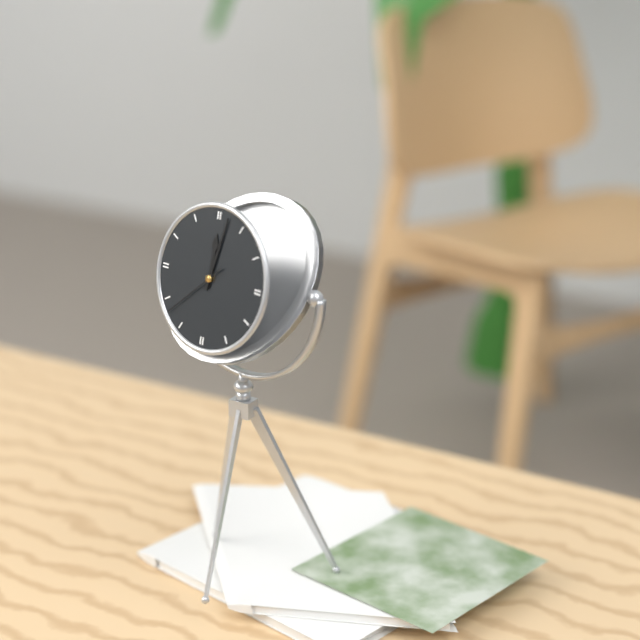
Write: 12,02,38
